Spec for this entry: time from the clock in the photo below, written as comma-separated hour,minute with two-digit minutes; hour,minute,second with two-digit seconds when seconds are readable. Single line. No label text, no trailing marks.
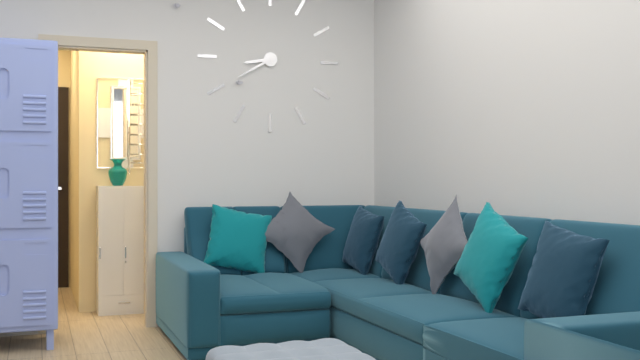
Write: 8,40
